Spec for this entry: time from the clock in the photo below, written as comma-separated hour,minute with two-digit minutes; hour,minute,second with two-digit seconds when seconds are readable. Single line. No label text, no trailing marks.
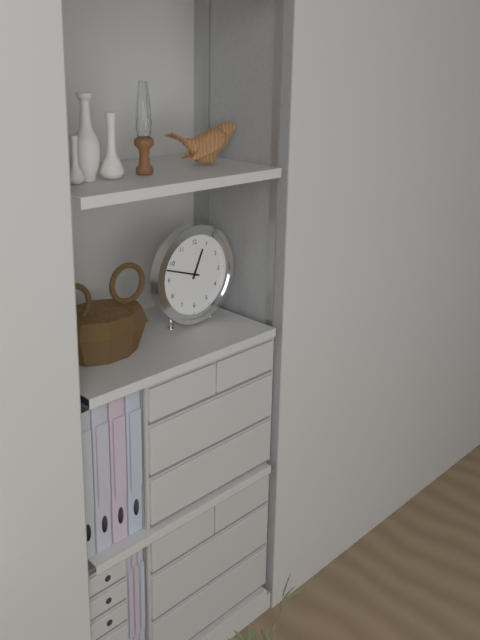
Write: 12,48
